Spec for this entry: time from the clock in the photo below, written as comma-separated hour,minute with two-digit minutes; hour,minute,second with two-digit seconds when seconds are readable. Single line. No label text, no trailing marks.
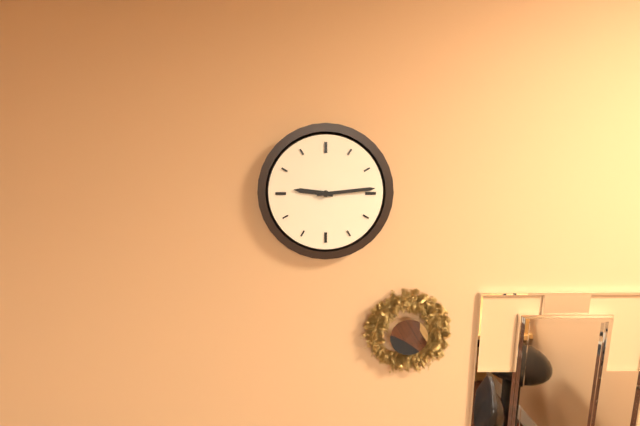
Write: 9,14
